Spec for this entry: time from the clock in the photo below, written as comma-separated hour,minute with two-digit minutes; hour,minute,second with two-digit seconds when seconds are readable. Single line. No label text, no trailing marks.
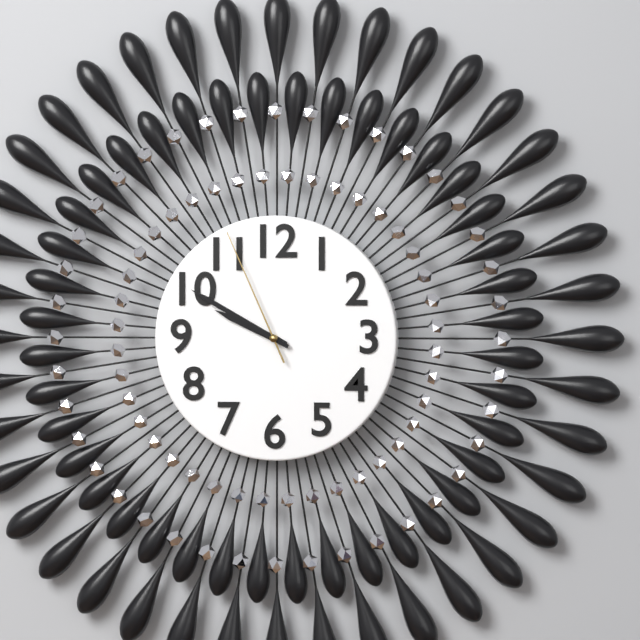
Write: 9,50,56
